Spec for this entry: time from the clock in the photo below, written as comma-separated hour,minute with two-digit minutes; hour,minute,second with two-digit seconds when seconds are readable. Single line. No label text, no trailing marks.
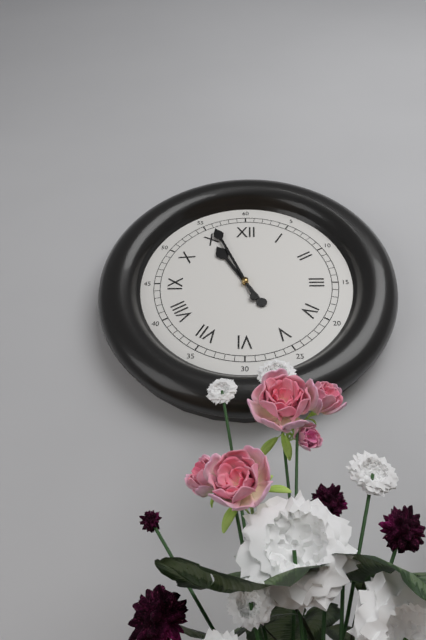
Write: 10,56
